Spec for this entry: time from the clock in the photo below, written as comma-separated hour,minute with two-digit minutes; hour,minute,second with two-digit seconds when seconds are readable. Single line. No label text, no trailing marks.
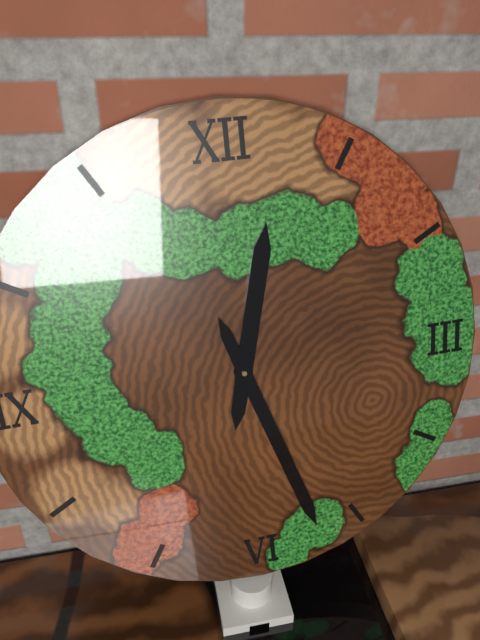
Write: 12,27
